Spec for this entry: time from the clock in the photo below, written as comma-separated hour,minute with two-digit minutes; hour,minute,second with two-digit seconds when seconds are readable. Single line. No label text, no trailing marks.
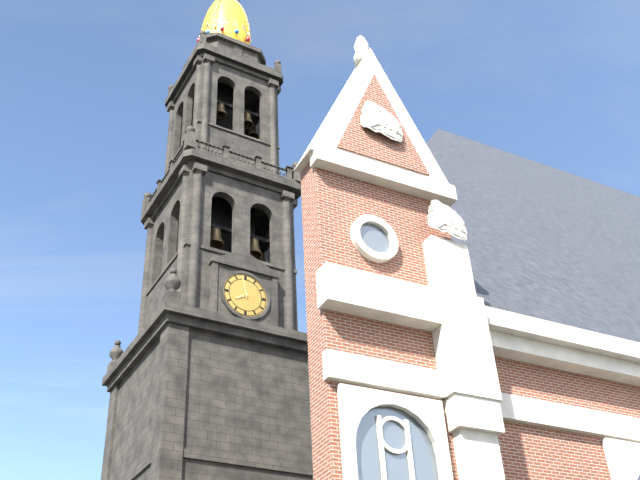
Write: 7,58
